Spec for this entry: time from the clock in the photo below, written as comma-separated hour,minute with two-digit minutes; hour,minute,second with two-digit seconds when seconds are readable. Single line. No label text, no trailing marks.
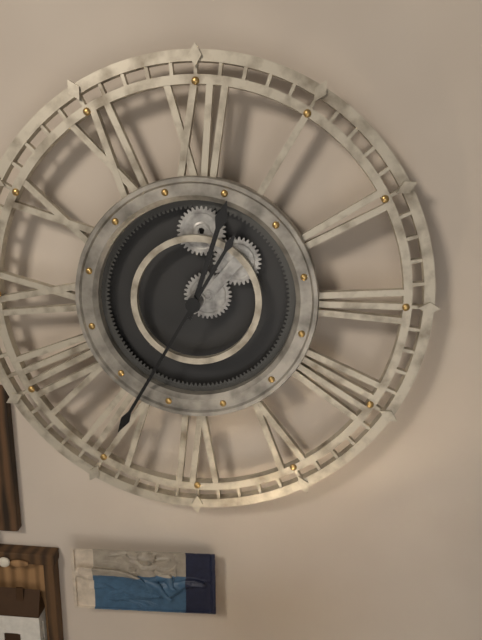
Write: 12,35
